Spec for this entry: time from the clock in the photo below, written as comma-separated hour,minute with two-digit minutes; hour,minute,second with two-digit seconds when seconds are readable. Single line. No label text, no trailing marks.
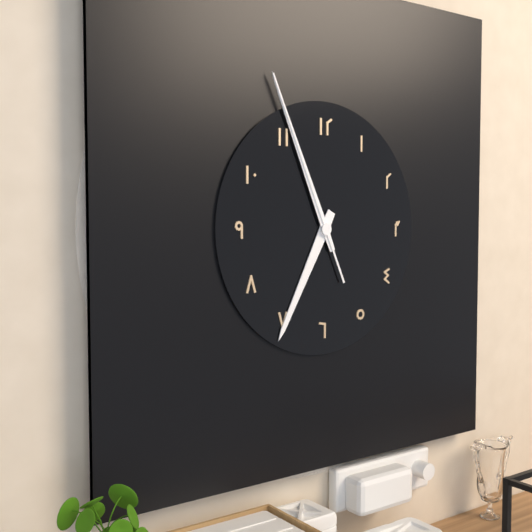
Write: 6,56,56
